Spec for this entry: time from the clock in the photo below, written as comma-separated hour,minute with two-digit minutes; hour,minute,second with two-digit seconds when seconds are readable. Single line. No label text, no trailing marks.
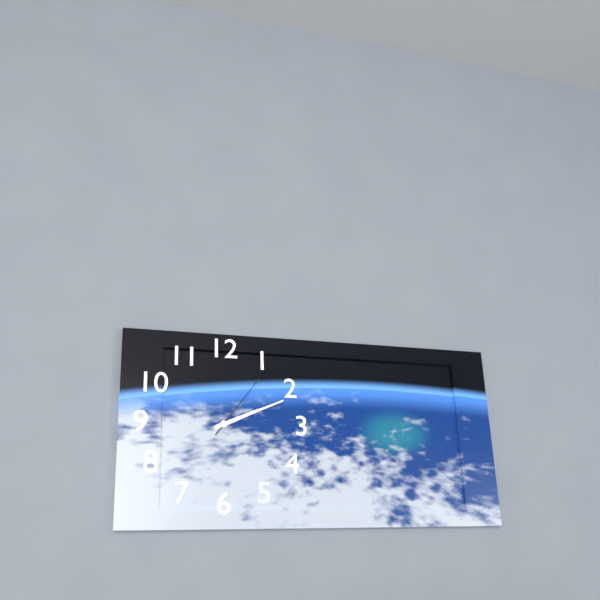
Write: 2,11,06
